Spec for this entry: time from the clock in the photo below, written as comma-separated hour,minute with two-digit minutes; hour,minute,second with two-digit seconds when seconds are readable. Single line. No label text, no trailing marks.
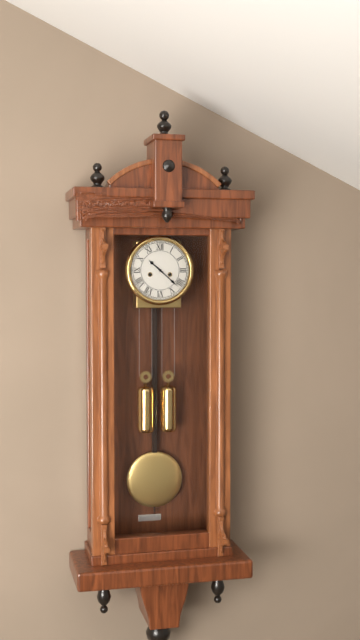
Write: 10,22
